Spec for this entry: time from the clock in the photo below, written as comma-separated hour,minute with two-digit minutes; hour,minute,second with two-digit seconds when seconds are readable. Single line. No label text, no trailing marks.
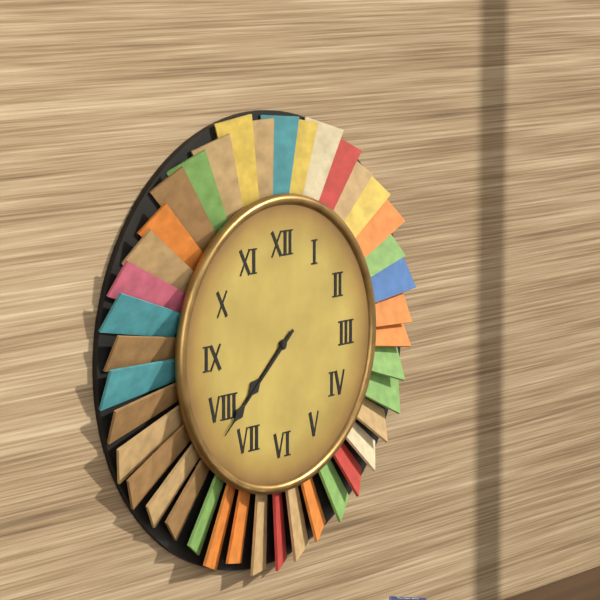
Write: 7,38
